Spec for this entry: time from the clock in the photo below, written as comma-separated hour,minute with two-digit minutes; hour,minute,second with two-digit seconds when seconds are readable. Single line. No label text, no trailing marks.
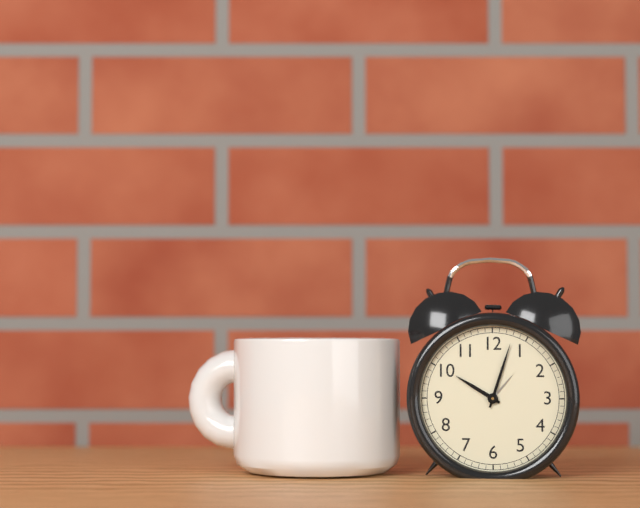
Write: 10,03
